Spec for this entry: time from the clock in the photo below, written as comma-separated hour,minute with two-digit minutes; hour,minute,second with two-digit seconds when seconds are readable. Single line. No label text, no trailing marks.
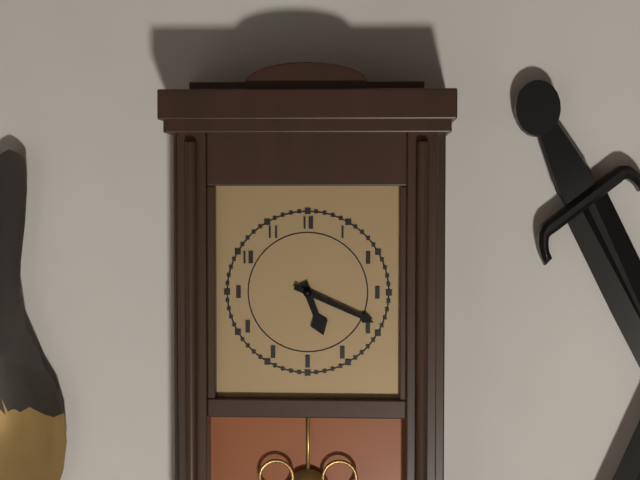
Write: 5,19
